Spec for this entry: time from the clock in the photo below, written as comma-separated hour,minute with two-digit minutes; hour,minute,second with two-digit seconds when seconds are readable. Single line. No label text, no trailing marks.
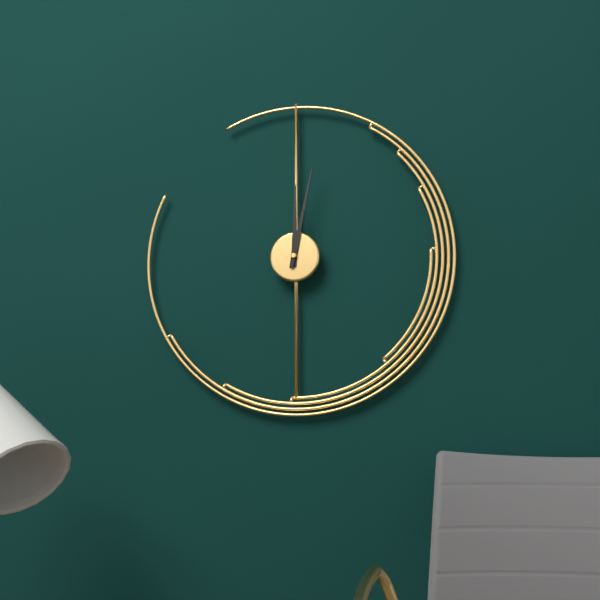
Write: 12,02
